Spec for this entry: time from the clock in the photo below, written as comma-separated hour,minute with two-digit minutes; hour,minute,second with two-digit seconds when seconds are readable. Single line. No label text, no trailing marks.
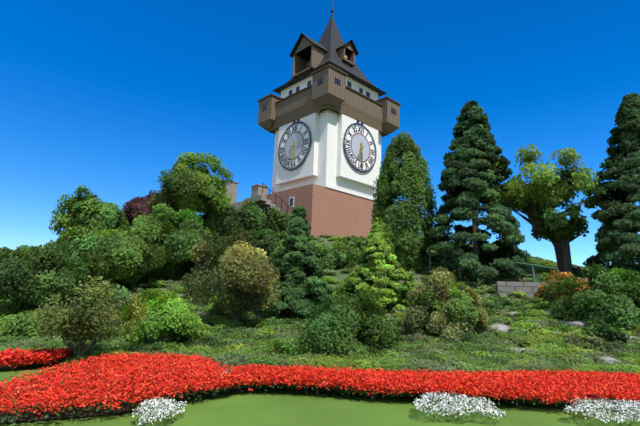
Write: 6,29
